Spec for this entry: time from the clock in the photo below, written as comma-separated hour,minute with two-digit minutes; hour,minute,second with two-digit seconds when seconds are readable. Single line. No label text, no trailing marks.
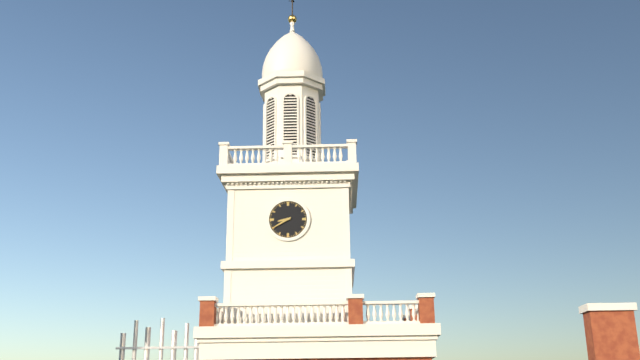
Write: 8,40
